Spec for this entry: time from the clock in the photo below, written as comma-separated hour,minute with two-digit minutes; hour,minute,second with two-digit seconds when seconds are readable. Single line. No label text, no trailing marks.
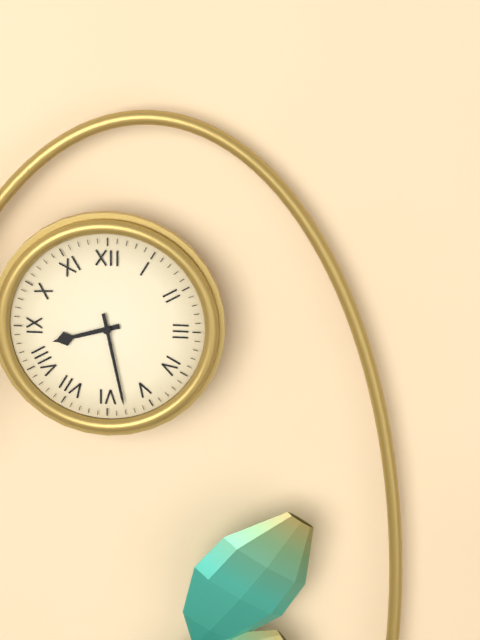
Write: 8,28
